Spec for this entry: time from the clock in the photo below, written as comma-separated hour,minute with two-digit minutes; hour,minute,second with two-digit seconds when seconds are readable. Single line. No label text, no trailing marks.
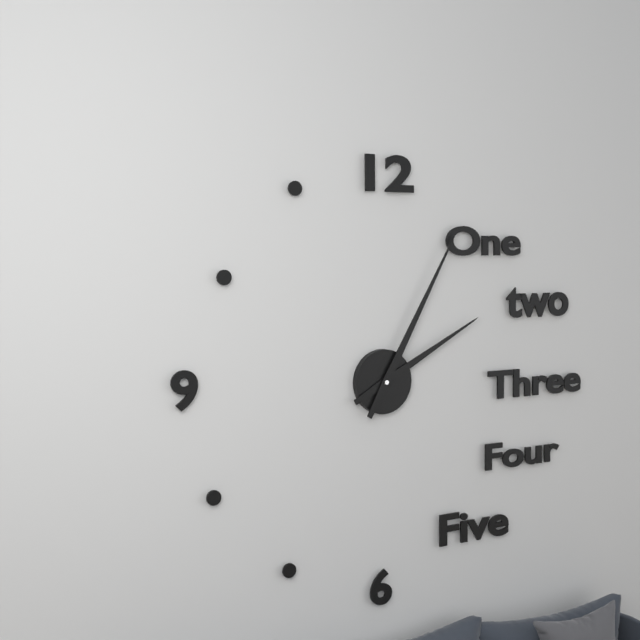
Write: 2,05
